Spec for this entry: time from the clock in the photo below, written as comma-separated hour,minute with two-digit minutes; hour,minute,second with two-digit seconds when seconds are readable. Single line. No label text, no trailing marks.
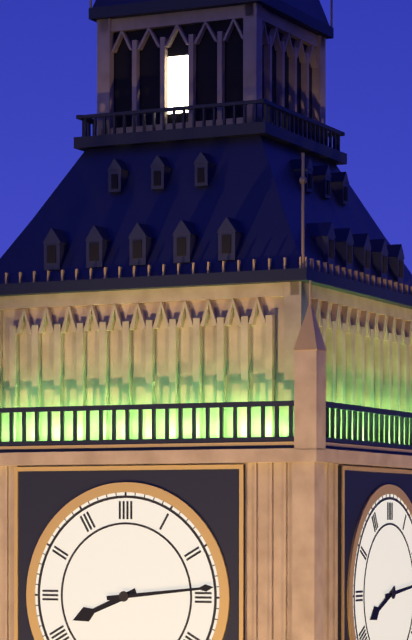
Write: 8,14
